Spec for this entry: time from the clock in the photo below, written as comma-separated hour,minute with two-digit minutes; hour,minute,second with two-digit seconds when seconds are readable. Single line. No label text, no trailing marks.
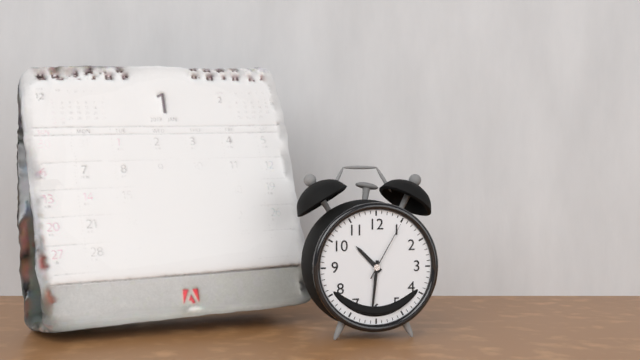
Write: 10,31,05
